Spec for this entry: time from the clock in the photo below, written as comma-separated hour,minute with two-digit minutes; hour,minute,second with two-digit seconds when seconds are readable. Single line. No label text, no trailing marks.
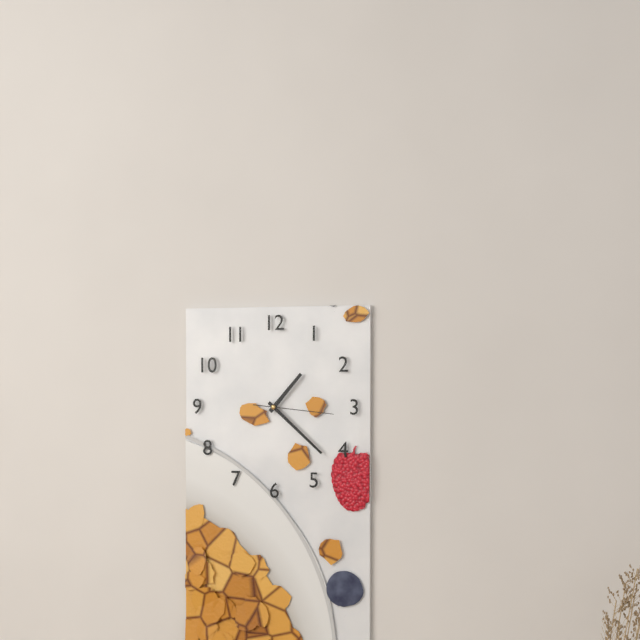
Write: 1,22,16
